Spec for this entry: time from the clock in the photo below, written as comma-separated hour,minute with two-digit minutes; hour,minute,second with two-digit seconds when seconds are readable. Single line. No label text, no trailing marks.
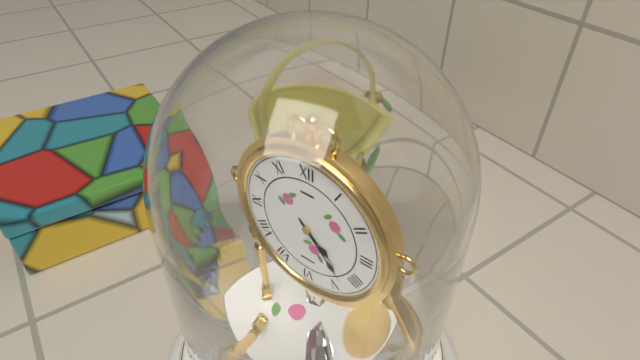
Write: 4,23
